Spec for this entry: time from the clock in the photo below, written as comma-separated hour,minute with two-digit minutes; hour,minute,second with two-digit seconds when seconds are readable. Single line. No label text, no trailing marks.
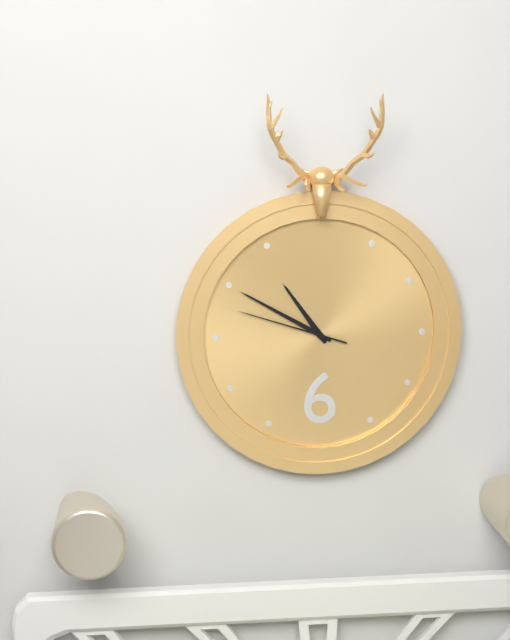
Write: 10,50,48
